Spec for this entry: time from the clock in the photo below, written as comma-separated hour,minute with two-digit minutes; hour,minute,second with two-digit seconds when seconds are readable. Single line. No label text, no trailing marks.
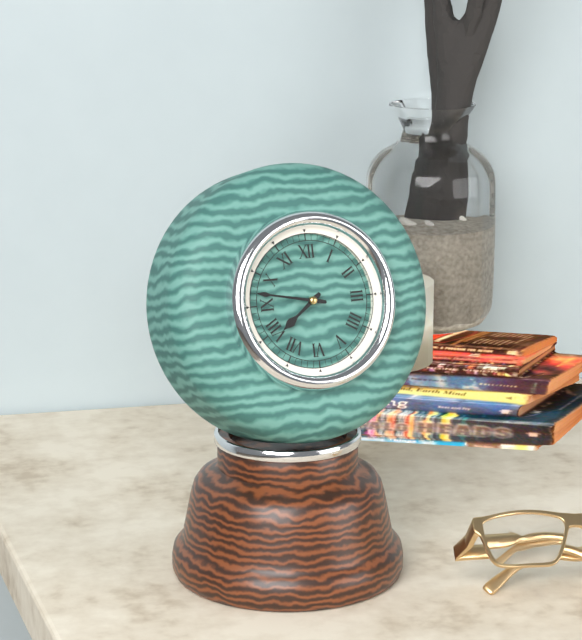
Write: 7,47
